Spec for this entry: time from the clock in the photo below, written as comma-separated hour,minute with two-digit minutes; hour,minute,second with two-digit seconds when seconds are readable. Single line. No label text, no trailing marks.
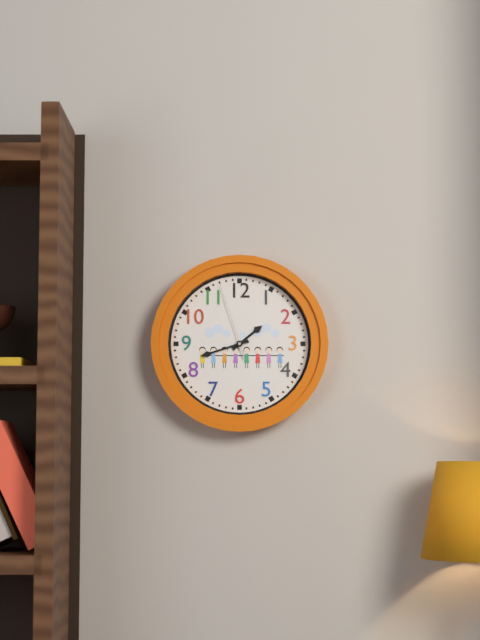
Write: 1,42,57
